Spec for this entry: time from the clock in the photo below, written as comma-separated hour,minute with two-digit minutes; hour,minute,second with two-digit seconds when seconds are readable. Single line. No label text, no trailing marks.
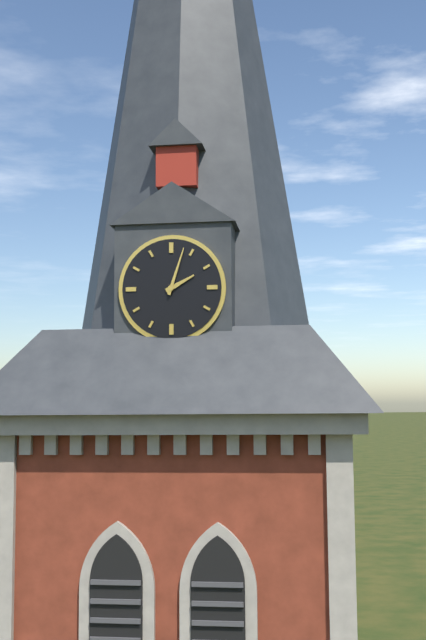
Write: 2,03
